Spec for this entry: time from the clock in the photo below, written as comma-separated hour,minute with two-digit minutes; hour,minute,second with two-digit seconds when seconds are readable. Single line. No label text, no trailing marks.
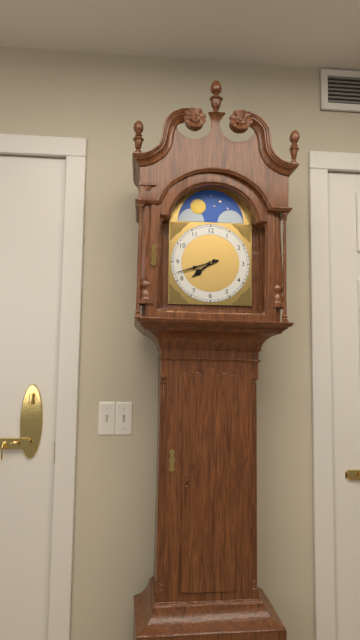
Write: 7,42
